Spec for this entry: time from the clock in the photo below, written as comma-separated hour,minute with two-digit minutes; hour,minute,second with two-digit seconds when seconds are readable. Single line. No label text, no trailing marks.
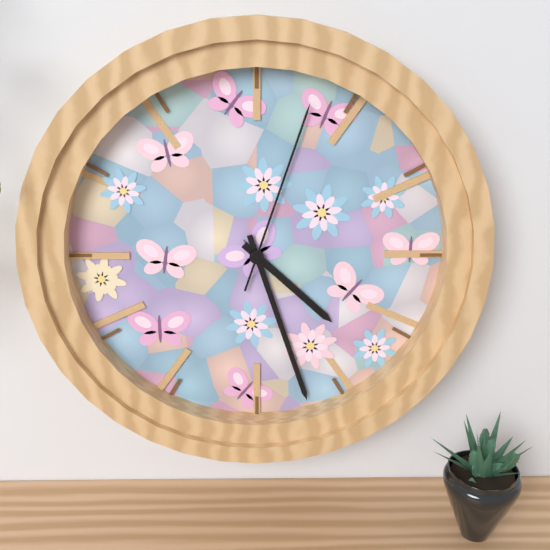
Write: 4,27,03
